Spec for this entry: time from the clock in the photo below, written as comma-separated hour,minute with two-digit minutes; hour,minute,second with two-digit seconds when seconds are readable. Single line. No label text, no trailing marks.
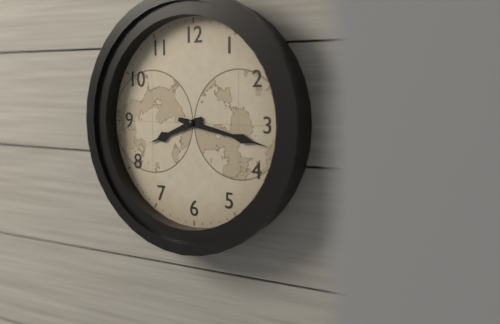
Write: 8,17
